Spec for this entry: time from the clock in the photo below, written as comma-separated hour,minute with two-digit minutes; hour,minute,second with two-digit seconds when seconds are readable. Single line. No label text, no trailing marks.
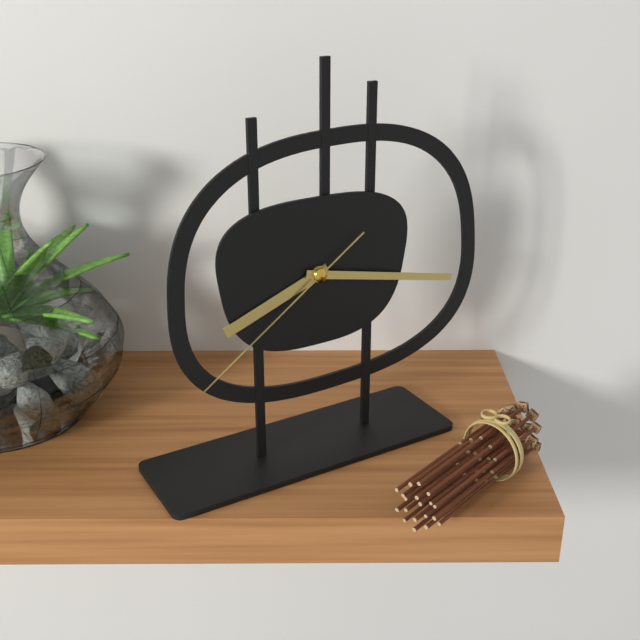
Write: 8,17,39
